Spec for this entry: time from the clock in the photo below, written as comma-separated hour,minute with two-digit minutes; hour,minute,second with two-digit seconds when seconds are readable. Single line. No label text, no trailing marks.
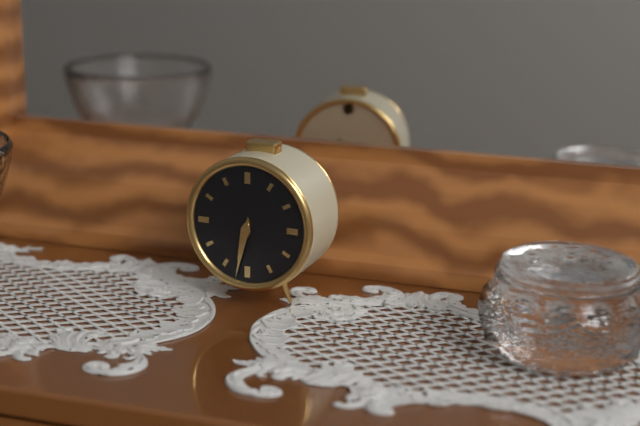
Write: 6,32
